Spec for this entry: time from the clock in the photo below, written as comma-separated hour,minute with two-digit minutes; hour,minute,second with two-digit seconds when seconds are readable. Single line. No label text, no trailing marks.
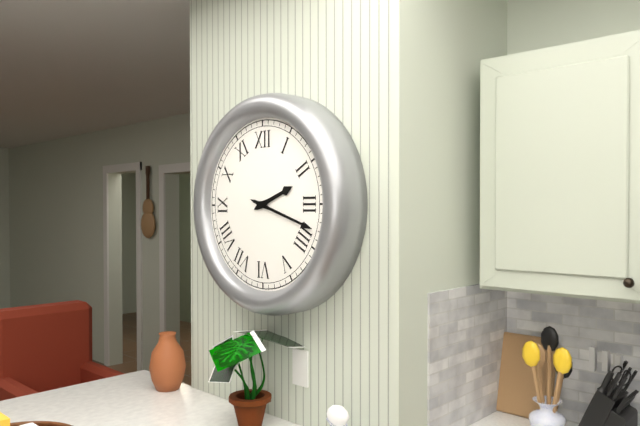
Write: 2,18
